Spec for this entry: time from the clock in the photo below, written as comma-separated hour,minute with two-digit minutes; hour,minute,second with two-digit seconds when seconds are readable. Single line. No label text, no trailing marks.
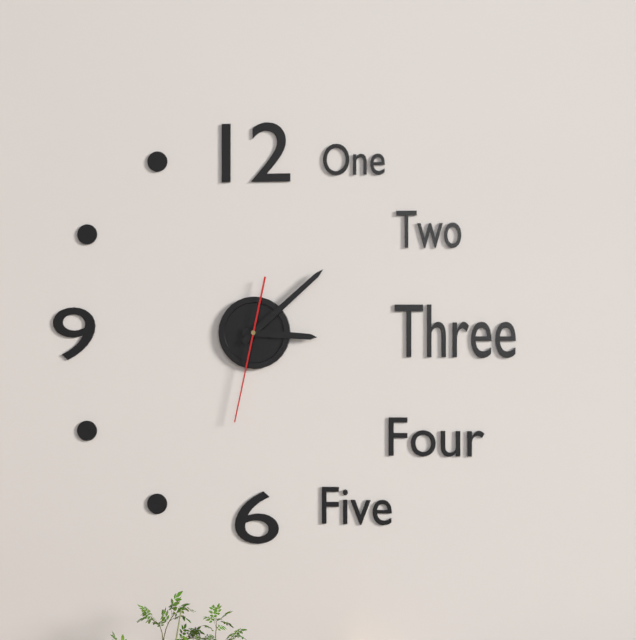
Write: 3,08,32
